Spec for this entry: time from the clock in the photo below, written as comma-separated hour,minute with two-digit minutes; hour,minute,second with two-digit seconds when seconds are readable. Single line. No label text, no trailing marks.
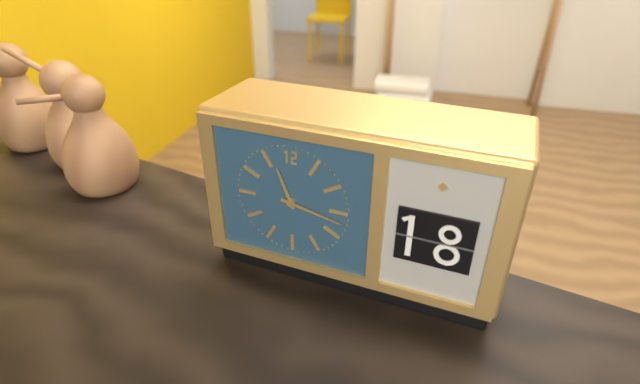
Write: 11,17
